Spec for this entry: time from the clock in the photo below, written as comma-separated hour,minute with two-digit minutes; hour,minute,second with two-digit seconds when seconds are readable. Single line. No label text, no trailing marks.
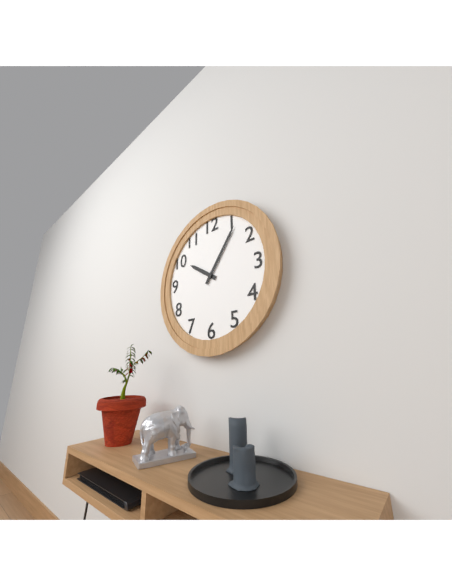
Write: 10,06
